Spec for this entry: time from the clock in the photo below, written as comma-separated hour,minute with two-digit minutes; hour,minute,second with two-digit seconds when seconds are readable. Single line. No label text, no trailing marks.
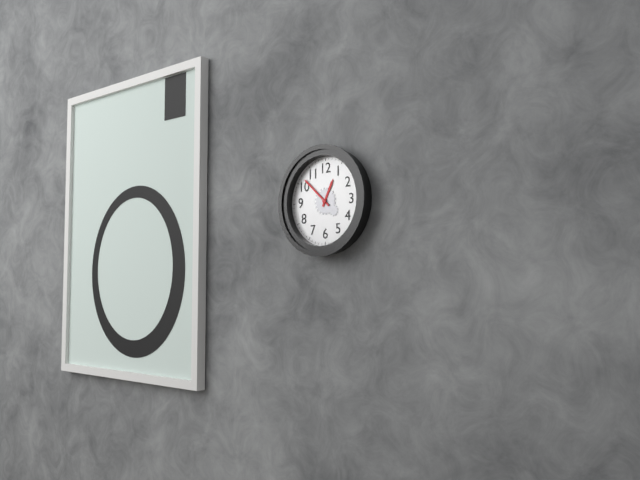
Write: 12,52
